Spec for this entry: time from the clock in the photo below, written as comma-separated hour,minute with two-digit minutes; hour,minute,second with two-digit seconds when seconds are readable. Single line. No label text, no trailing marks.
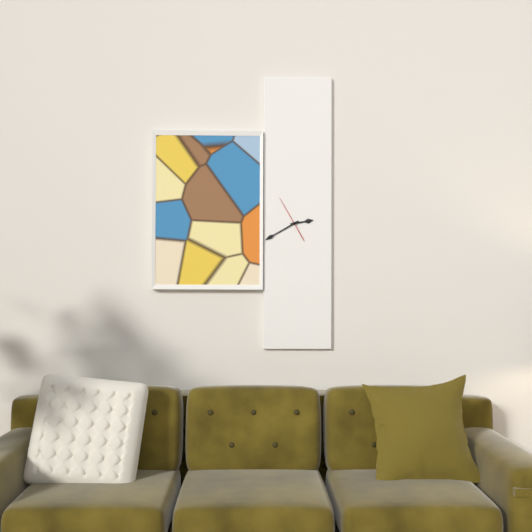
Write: 2,40
